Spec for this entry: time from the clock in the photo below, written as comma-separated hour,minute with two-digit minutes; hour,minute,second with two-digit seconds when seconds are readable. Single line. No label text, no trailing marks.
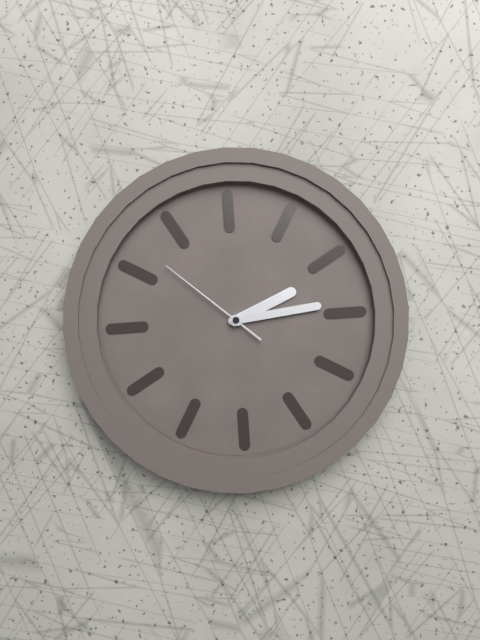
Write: 2,14,52
